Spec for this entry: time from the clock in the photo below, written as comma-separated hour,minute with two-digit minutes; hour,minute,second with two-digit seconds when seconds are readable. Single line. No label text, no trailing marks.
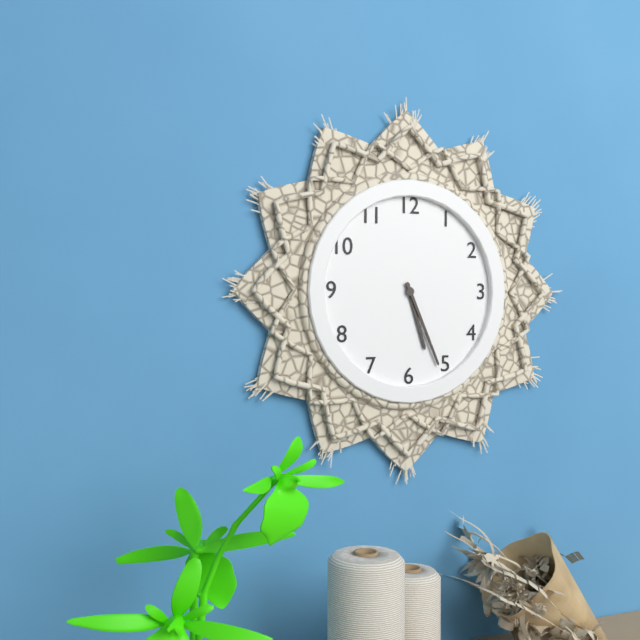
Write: 5,26
